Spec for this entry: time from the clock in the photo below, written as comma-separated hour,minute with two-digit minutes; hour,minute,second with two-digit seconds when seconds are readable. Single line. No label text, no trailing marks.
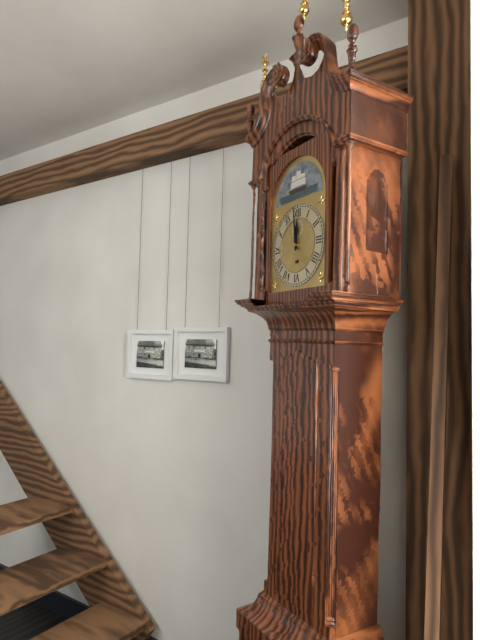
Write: 11,59
